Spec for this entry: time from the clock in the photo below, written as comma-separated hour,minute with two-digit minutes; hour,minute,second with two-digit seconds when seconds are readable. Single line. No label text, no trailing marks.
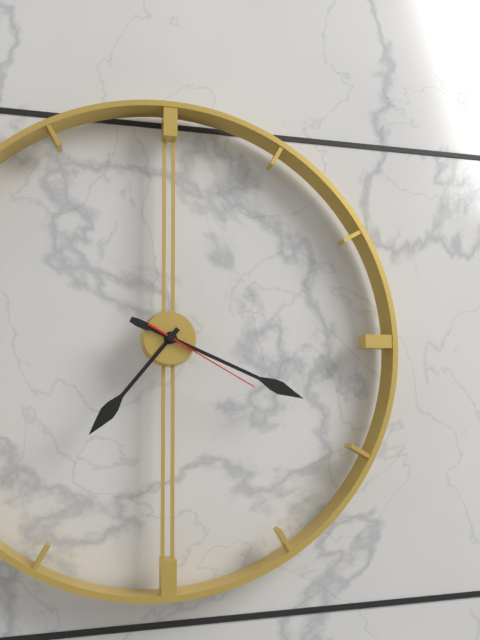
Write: 7,19,20
